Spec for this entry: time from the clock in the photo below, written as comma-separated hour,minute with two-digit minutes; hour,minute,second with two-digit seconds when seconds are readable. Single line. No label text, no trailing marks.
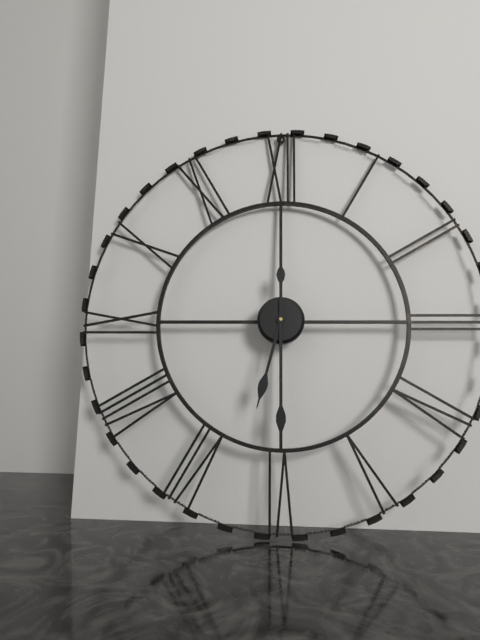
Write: 6,30
